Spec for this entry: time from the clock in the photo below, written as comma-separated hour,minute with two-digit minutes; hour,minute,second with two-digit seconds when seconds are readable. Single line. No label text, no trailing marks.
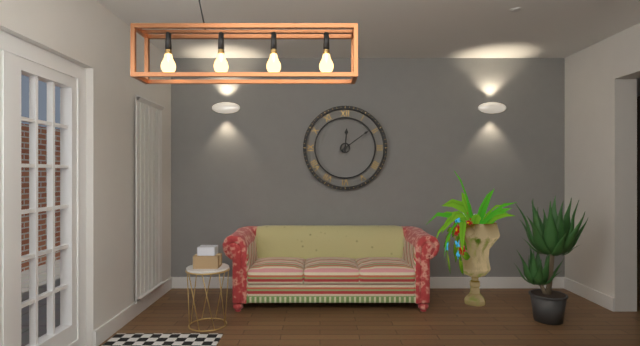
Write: 12,09
